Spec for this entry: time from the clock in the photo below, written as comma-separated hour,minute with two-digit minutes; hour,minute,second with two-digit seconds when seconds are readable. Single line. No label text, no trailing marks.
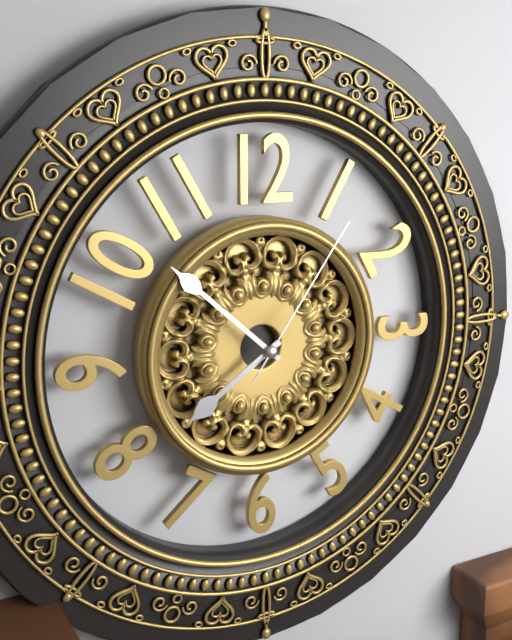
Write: 7,52,06
